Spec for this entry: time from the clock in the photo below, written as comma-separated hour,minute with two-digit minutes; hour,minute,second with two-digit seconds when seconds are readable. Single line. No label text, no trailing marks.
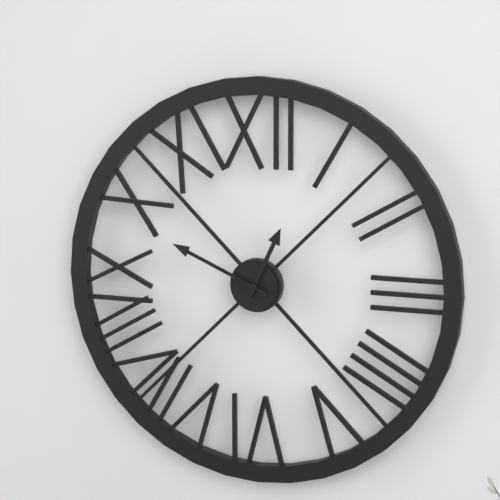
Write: 12,49
